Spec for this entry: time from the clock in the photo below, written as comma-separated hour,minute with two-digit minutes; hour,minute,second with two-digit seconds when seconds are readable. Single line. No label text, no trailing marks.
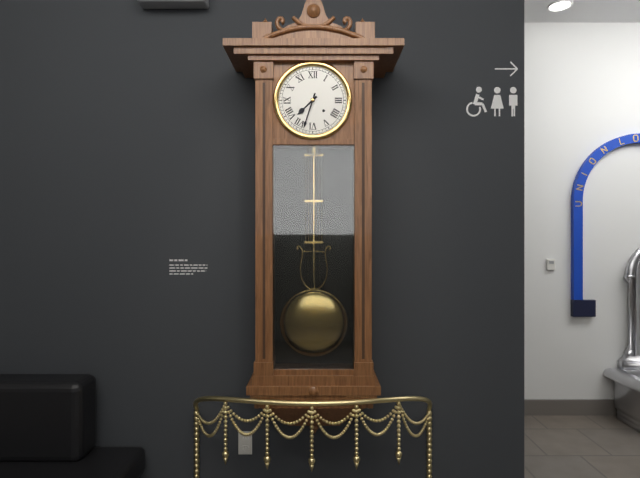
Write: 7,33
